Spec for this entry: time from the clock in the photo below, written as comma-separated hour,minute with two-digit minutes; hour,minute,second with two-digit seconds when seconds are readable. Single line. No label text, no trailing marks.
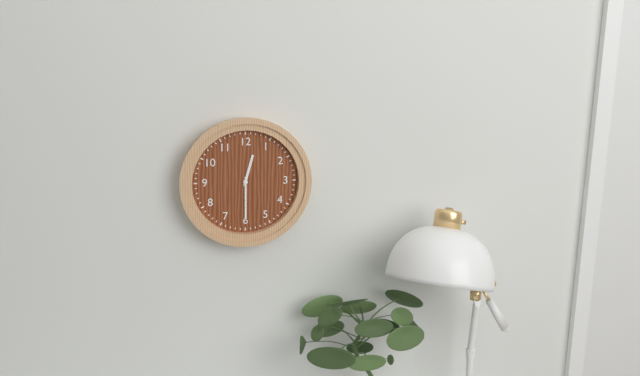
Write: 12,30
